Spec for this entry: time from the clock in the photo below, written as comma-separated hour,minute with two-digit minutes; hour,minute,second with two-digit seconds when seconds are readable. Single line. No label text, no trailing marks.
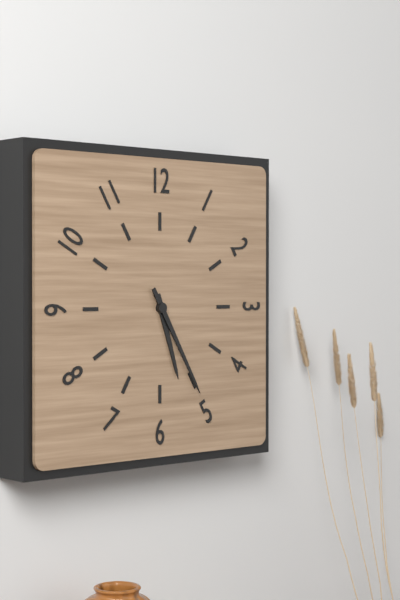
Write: 5,25
